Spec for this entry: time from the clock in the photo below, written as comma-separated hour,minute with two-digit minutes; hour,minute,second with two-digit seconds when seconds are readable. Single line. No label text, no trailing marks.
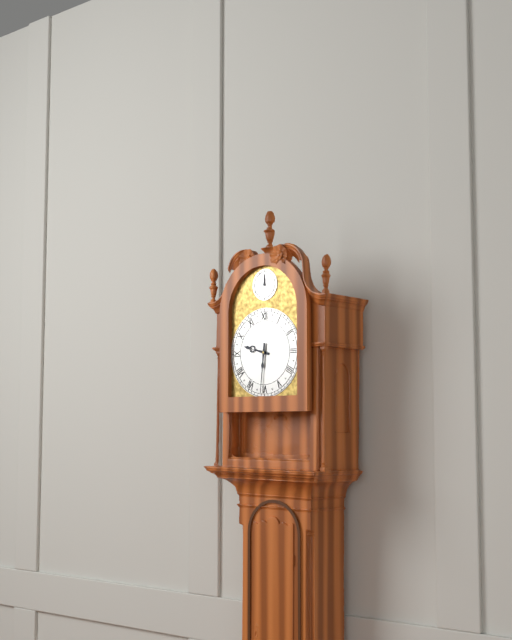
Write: 9,31
